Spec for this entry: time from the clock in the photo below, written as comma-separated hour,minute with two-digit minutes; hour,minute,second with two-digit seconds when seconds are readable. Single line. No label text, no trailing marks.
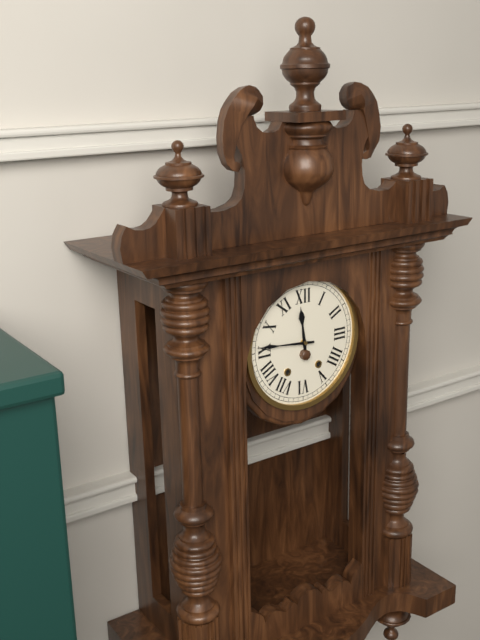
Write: 11,46
